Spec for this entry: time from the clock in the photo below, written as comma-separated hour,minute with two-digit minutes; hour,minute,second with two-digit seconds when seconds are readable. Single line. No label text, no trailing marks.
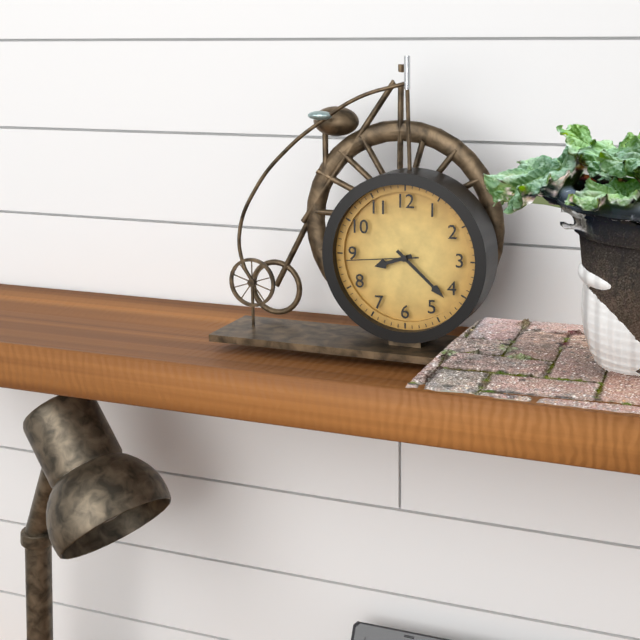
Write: 8,22,44
